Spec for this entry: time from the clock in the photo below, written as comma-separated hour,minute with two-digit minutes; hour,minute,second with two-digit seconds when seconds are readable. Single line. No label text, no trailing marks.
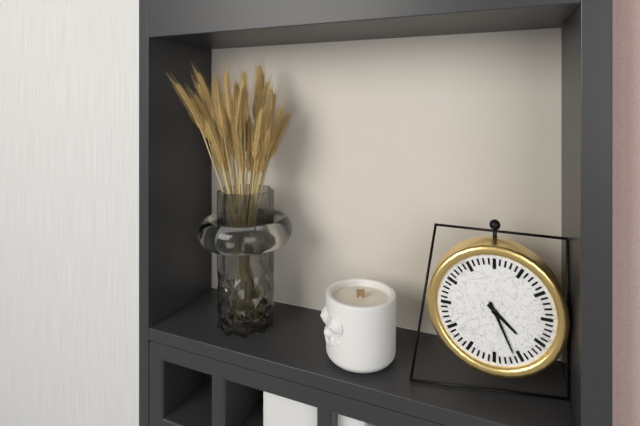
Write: 4,26
